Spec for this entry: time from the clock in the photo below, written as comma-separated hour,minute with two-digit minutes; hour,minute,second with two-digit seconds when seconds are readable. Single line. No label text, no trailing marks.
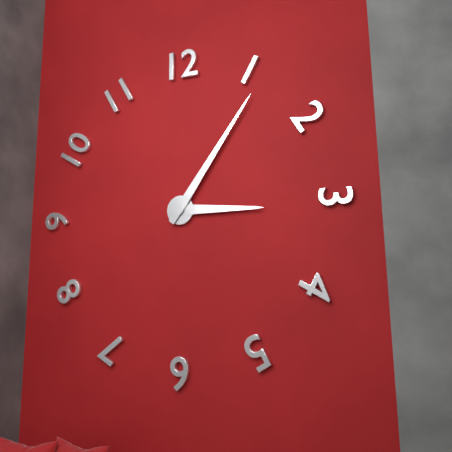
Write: 3,06
